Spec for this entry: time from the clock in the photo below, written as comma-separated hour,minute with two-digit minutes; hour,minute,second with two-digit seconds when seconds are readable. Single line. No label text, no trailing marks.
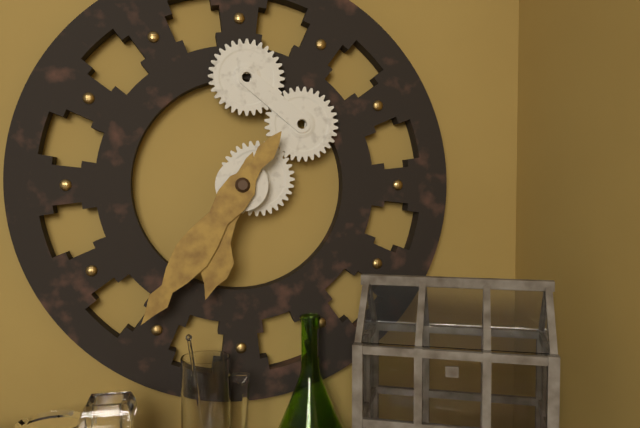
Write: 6,36
